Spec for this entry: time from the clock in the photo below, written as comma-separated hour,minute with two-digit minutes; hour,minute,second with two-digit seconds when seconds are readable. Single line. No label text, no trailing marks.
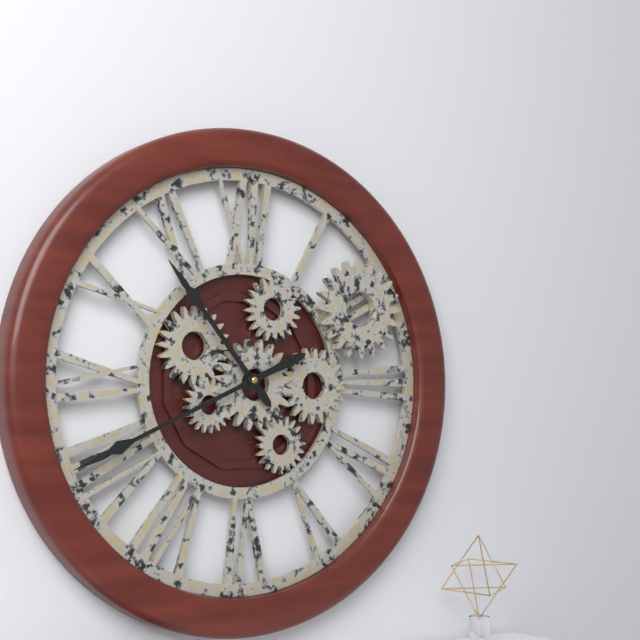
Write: 10,41
